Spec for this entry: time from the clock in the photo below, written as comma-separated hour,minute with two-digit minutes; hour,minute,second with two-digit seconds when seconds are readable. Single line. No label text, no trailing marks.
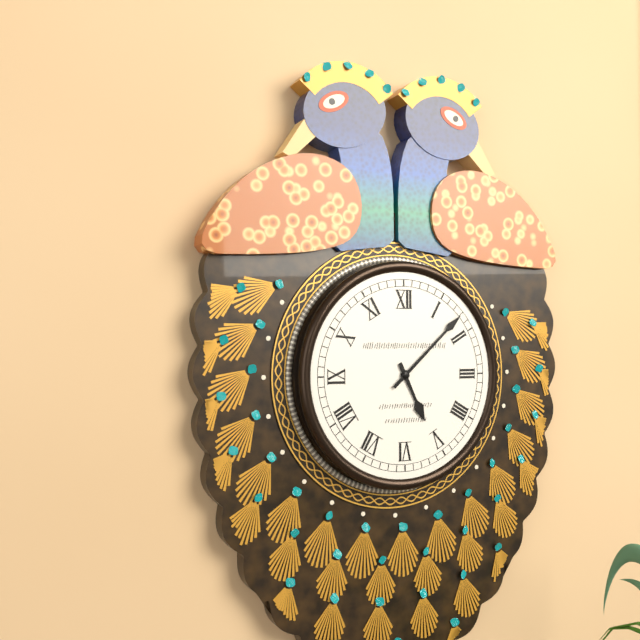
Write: 5,08
